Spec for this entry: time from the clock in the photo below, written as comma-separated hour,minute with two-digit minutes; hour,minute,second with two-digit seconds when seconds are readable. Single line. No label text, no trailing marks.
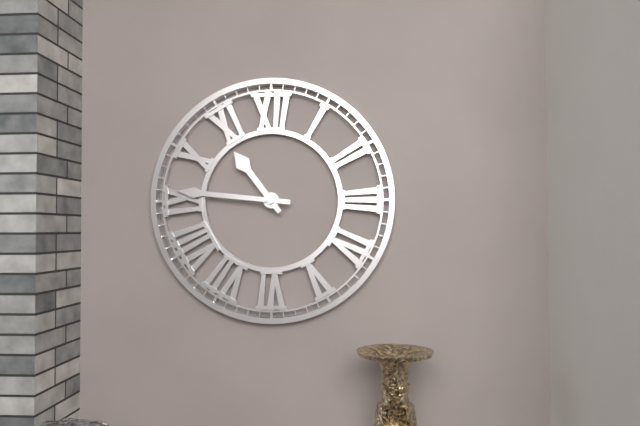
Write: 10,46
